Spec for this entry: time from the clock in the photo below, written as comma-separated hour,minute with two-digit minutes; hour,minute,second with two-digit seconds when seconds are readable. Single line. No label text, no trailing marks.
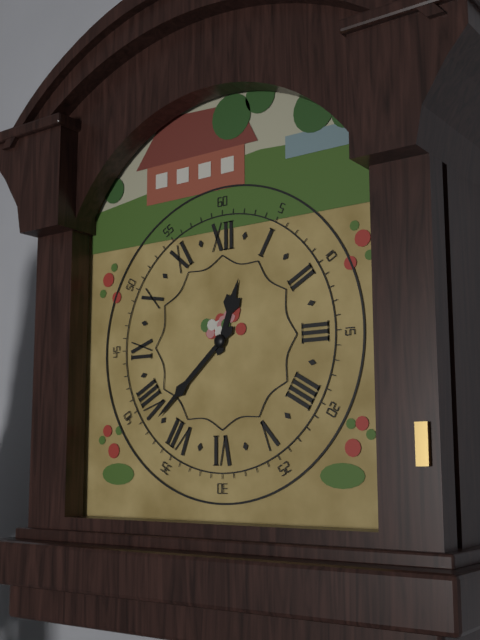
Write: 12,38
